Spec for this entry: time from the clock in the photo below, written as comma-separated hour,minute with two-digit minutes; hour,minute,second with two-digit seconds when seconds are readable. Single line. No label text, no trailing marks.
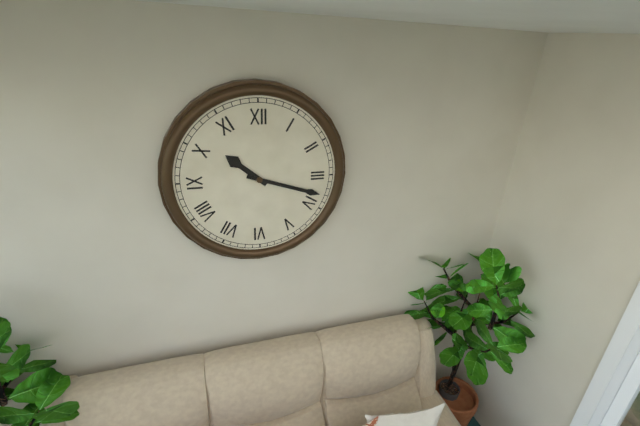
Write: 10,18
